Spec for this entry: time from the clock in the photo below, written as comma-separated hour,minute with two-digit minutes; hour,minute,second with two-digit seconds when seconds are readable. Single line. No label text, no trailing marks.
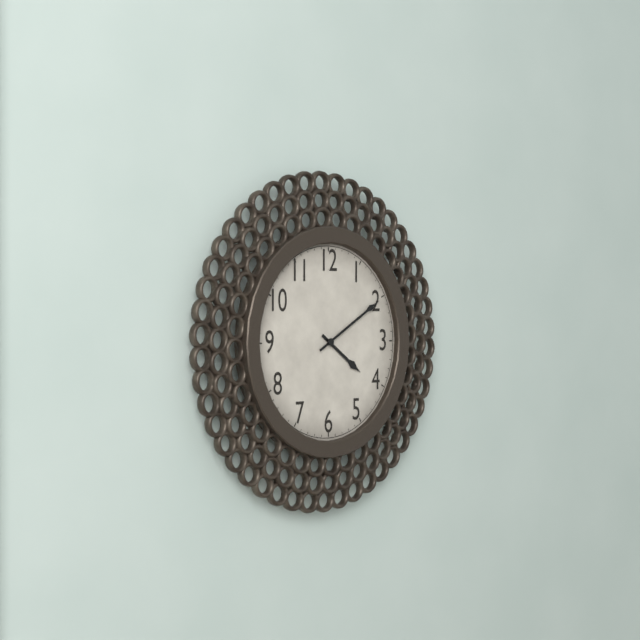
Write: 4,10
